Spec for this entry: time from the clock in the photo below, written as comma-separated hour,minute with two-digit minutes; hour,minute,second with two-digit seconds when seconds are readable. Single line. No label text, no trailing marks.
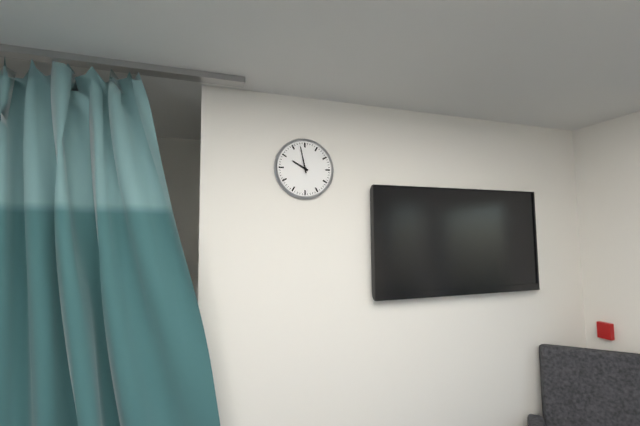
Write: 9,58
